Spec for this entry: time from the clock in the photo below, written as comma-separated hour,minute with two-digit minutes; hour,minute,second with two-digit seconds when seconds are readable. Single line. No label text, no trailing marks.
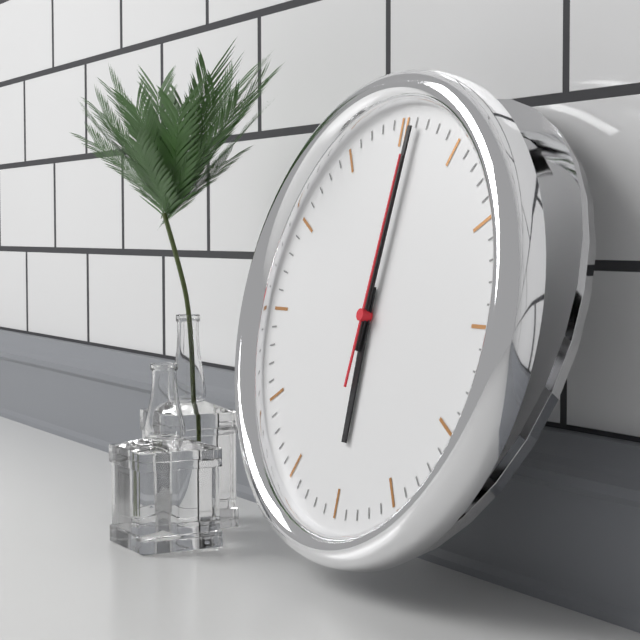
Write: 6,01,01
